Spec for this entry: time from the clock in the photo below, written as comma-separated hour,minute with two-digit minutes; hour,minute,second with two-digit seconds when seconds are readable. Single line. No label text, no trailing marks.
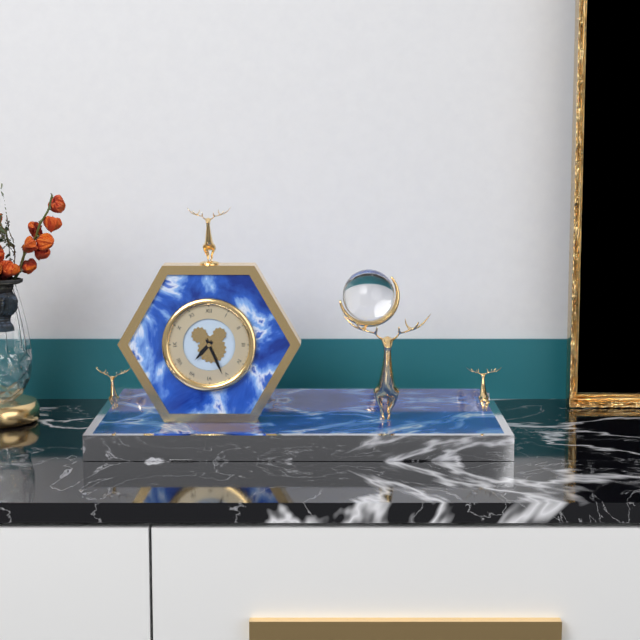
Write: 7,26
